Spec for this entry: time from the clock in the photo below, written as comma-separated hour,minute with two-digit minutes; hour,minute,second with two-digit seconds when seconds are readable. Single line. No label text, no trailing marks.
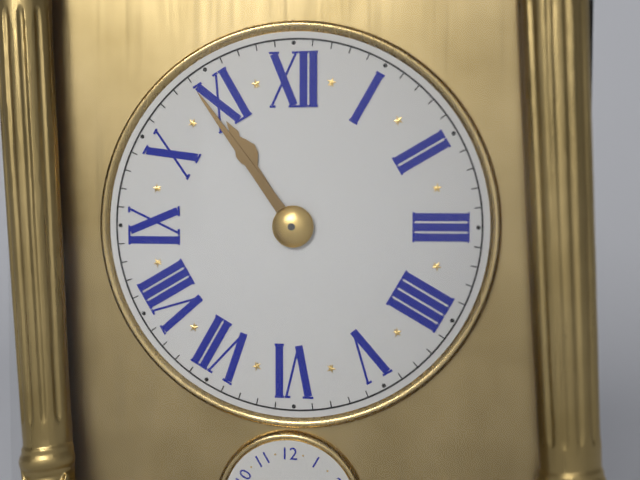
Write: 10,54
